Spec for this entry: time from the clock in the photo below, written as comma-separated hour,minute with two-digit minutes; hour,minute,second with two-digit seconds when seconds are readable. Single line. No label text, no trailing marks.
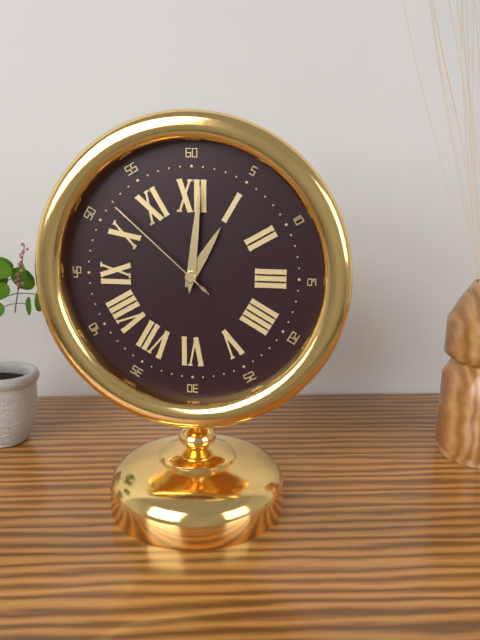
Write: 1,01,52
